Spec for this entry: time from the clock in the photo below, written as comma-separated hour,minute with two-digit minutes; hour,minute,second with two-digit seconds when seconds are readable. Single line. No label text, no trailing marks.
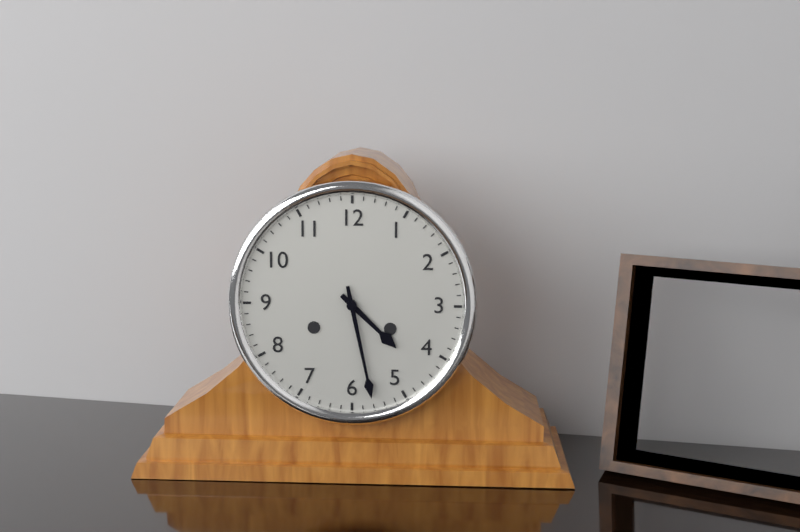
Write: 4,28
